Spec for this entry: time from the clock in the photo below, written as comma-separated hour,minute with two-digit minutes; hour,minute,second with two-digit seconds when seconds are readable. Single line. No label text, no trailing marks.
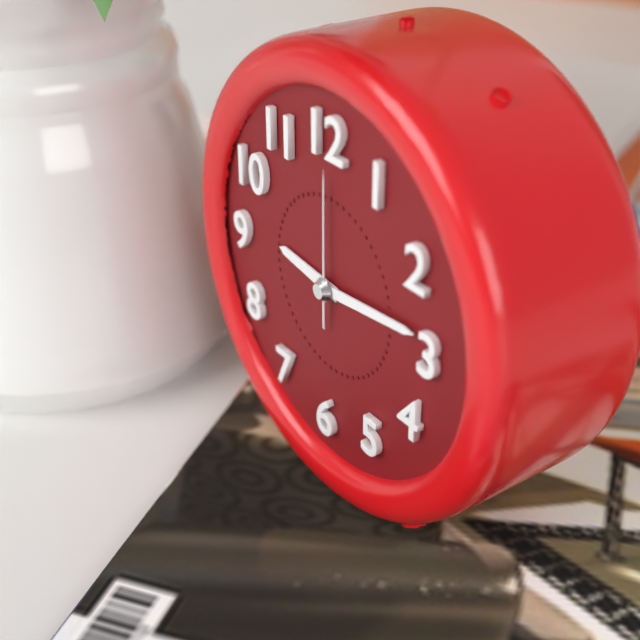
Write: 9,14,00
